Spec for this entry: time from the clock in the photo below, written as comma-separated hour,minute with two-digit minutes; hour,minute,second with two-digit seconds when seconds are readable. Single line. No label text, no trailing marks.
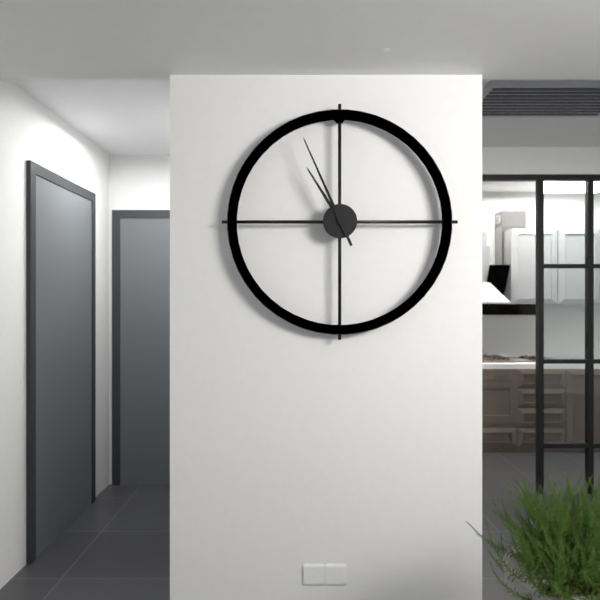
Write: 10,56
